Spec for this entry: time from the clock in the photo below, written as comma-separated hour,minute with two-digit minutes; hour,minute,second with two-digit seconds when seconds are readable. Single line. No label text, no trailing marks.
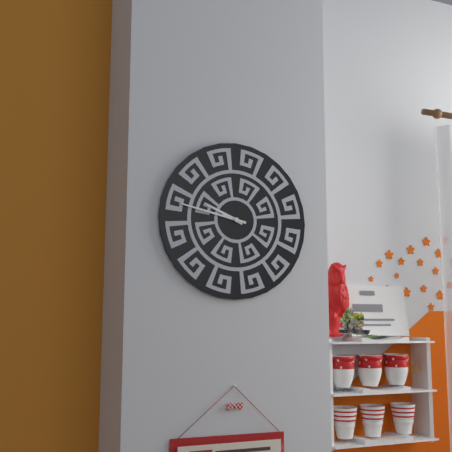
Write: 9,47
